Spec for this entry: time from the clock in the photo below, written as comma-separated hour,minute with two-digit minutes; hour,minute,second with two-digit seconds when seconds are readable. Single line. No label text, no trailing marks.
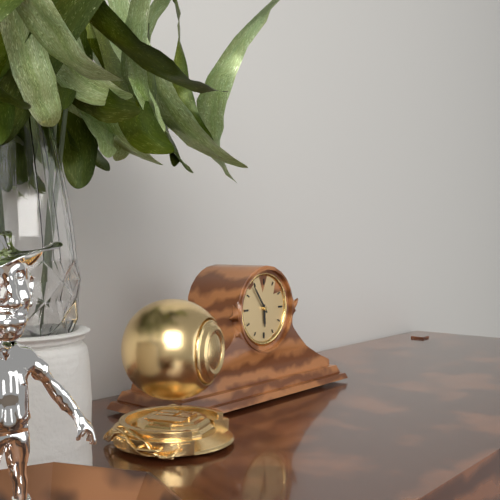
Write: 5,54
